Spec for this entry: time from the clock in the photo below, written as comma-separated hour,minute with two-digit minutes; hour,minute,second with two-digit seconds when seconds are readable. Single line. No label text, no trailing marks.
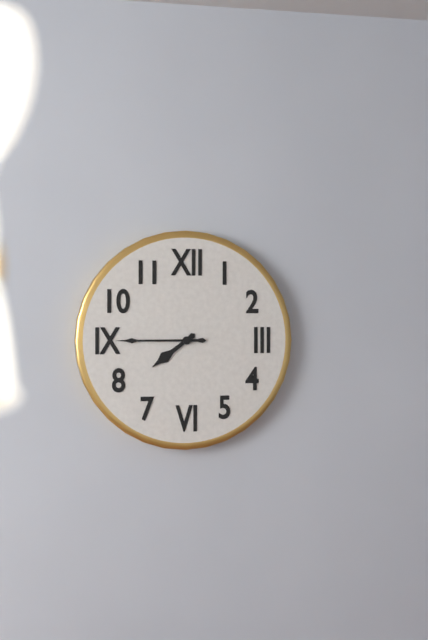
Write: 7,45
